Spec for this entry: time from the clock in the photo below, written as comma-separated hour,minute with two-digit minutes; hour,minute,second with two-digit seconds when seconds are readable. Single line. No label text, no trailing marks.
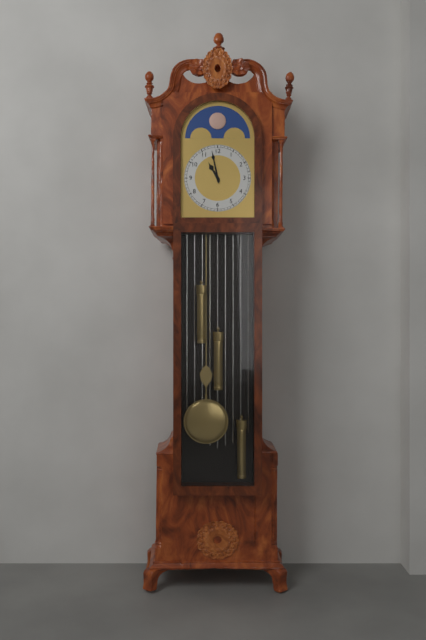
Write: 10,58
